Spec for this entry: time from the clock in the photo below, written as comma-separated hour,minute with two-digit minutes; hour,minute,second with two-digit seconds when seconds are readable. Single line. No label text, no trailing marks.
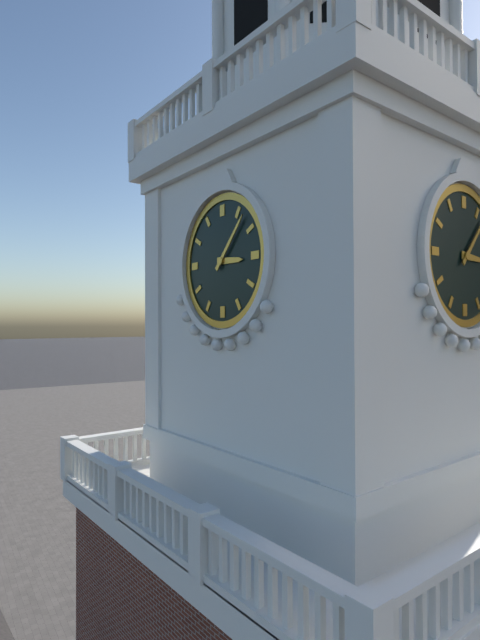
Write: 3,07
